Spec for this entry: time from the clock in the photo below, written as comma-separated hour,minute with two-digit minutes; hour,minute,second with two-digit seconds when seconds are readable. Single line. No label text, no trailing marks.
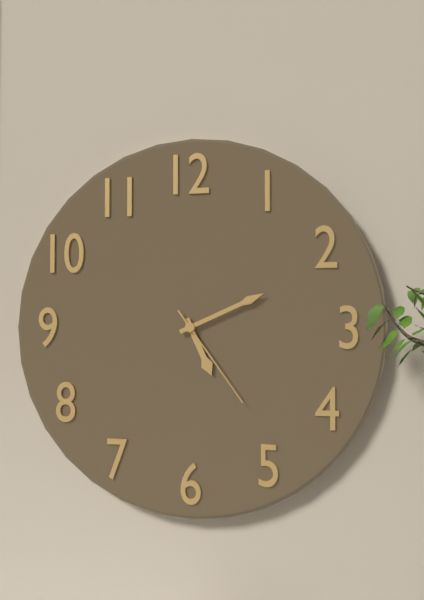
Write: 5,11,24
